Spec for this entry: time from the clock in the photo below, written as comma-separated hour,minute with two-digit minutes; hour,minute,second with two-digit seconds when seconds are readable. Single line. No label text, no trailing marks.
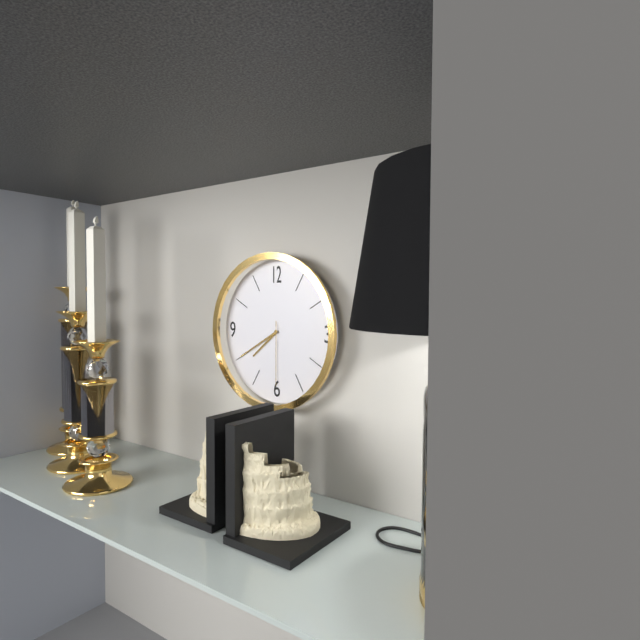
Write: 7,40,30
